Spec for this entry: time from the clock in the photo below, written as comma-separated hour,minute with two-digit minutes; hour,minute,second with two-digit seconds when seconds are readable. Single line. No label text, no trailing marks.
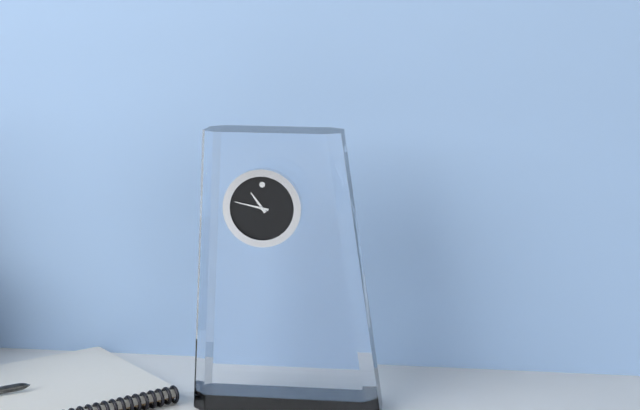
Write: 10,47
